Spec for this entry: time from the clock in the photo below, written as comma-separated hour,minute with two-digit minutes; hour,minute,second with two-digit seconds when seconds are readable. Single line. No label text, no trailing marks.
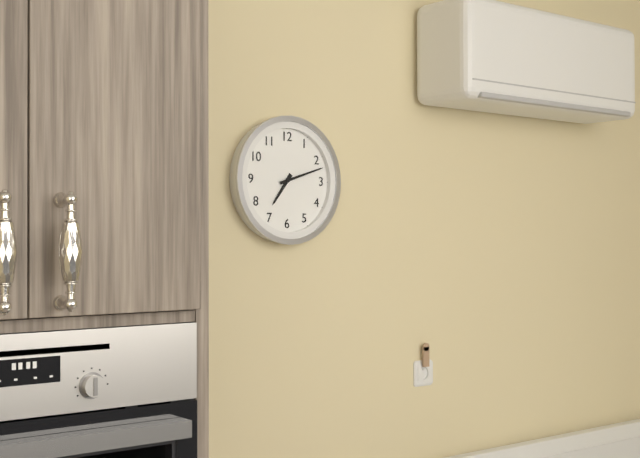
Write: 7,12
